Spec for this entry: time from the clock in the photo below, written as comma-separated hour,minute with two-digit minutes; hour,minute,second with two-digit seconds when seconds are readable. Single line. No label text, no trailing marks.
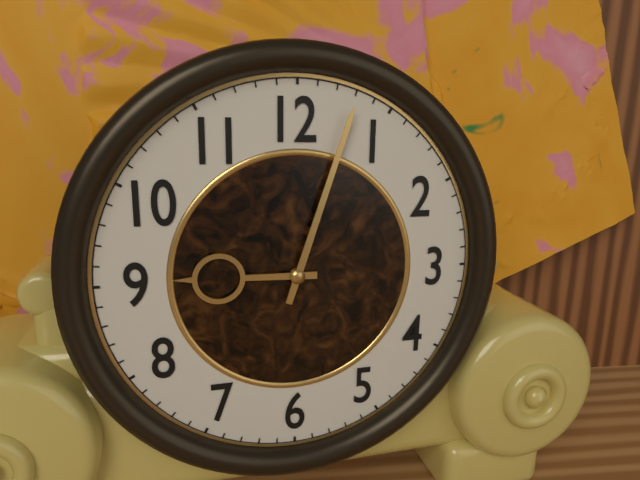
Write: 9,03
